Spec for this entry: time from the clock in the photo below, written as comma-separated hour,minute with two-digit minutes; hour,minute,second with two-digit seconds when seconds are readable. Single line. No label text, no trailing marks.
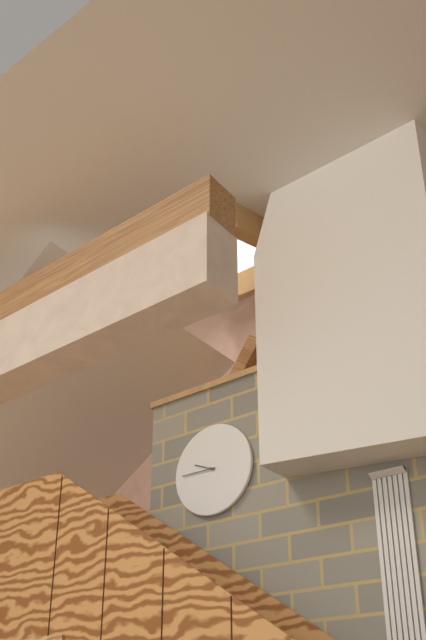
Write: 9,45
